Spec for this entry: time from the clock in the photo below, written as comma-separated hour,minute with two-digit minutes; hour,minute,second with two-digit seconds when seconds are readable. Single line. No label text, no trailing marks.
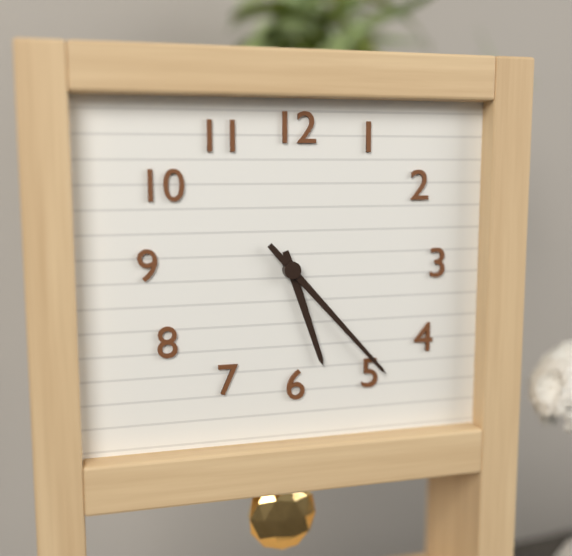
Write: 5,23
